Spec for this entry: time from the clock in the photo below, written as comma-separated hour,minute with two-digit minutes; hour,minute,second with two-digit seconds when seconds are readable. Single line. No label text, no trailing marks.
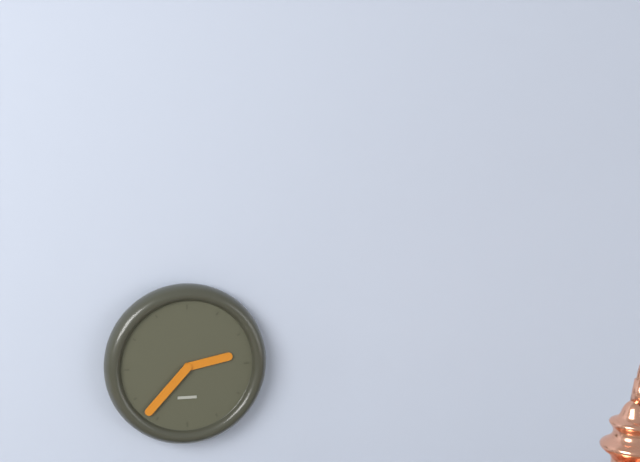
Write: 2,37
